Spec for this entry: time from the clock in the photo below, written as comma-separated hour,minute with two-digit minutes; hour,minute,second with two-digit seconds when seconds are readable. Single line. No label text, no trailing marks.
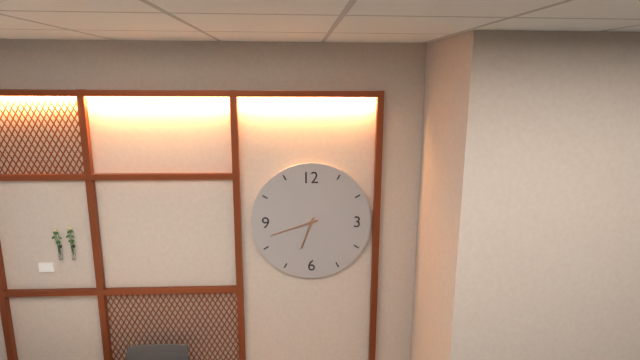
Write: 6,42
